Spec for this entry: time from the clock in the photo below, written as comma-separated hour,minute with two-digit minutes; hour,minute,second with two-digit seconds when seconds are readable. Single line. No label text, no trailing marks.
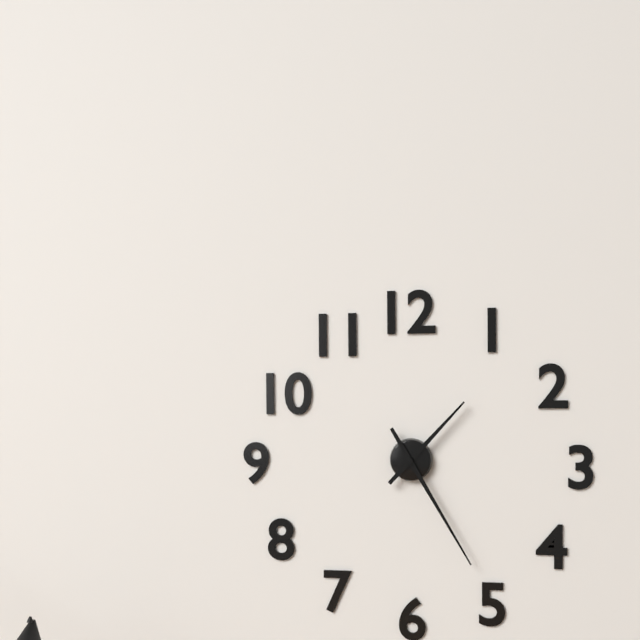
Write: 1,25
